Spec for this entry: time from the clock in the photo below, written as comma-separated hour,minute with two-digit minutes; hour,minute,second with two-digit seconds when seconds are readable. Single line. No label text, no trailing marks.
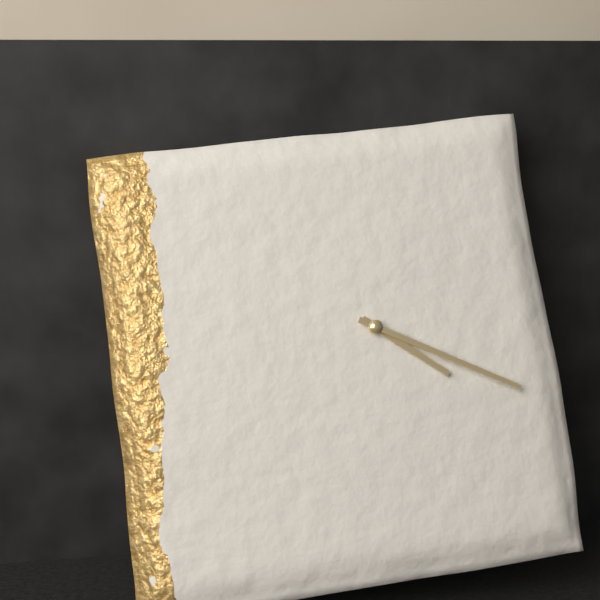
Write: 4,20
